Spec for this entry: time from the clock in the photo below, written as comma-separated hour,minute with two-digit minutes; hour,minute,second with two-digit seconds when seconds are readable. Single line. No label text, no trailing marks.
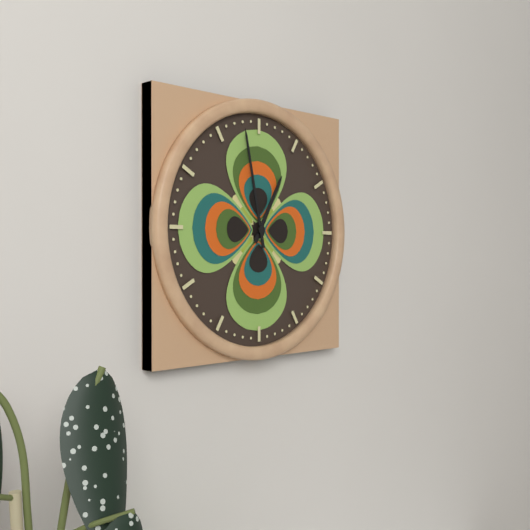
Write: 12,58
